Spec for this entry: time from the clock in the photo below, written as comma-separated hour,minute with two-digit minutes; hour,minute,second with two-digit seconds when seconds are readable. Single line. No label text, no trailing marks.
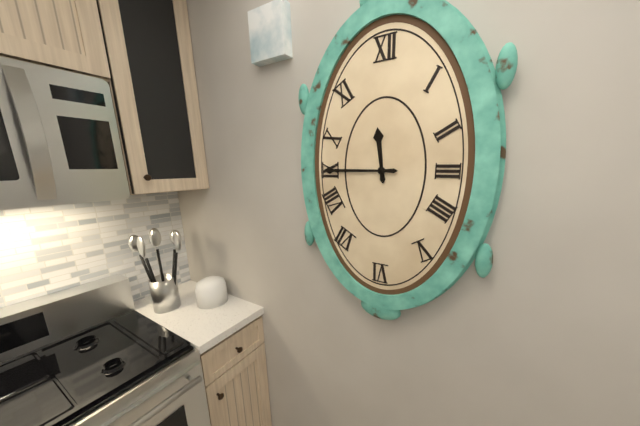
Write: 11,45
